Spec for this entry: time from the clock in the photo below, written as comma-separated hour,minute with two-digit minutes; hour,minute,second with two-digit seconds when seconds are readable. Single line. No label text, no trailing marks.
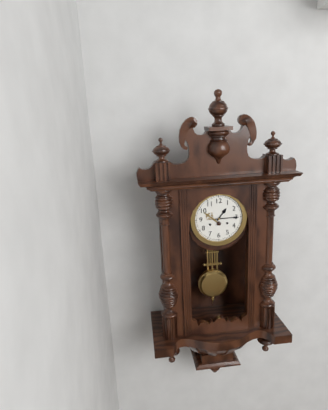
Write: 1,15
